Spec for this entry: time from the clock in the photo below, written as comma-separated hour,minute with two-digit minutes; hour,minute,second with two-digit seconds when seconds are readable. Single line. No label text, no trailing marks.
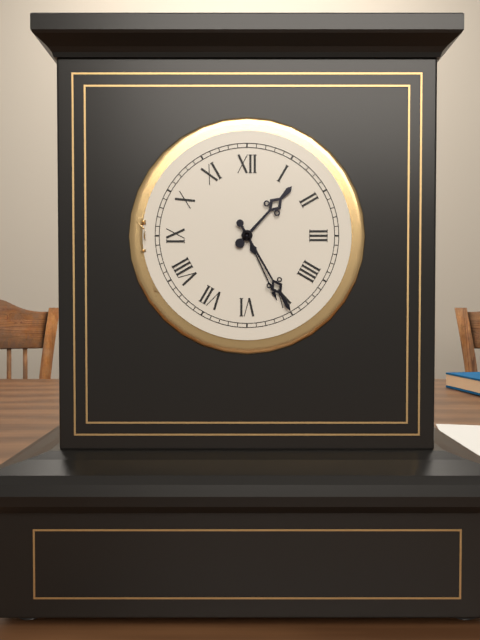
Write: 1,25
